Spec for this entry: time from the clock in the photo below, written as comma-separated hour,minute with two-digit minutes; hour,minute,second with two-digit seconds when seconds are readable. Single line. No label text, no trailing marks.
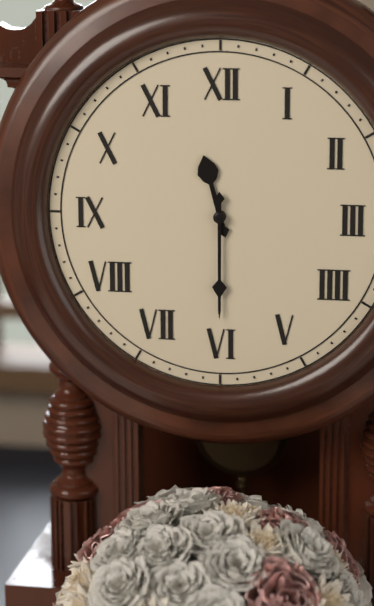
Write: 11,30
